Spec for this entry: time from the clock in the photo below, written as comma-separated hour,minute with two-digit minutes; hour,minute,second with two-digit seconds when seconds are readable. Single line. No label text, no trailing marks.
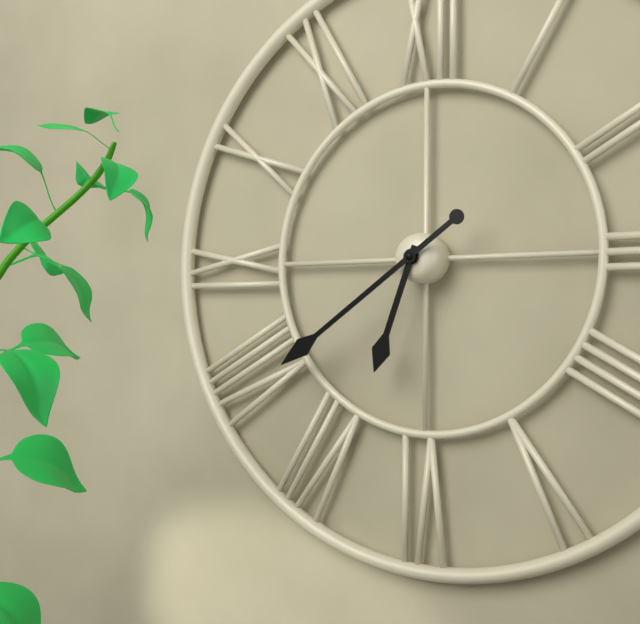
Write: 6,39
